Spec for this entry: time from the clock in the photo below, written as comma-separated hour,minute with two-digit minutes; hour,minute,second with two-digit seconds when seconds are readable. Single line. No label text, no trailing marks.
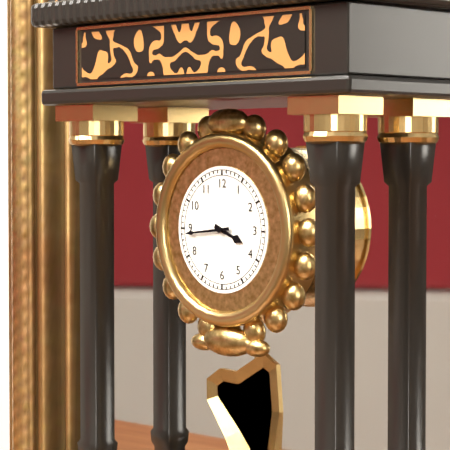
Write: 3,44
